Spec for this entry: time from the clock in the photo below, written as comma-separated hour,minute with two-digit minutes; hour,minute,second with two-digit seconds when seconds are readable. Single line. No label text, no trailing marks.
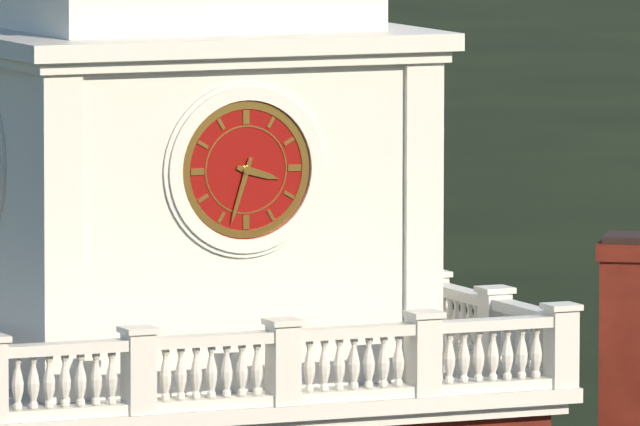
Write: 3,33
